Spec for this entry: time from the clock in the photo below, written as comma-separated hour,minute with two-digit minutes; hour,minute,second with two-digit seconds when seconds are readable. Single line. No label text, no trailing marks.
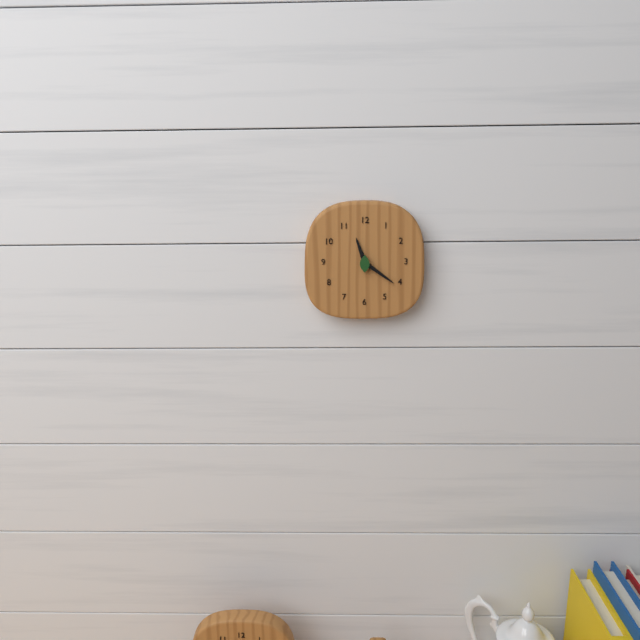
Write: 11,21
